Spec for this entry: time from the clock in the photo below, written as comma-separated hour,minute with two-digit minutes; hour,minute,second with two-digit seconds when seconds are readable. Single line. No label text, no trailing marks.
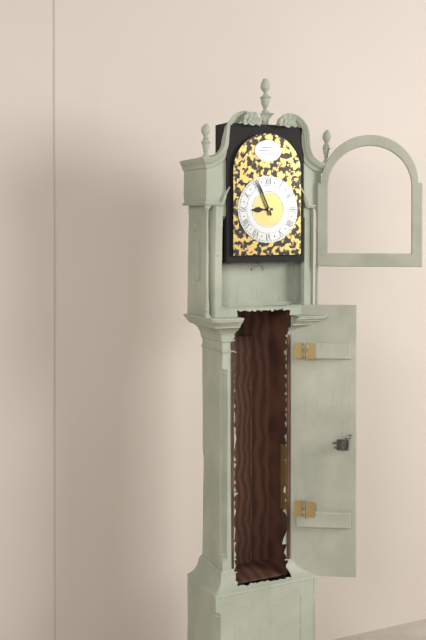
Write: 8,56
